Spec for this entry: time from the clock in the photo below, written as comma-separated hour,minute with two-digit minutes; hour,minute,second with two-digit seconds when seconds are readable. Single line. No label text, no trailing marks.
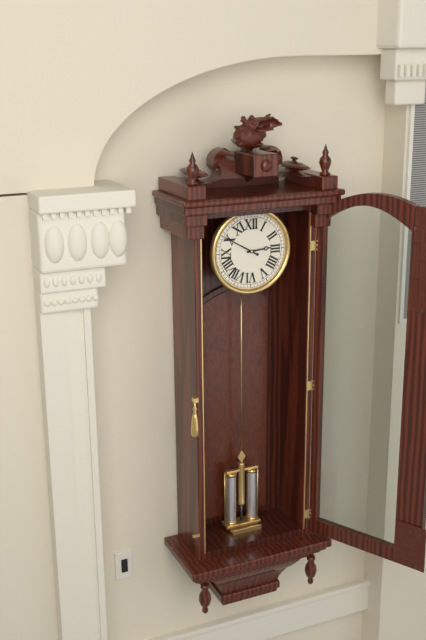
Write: 2,50
